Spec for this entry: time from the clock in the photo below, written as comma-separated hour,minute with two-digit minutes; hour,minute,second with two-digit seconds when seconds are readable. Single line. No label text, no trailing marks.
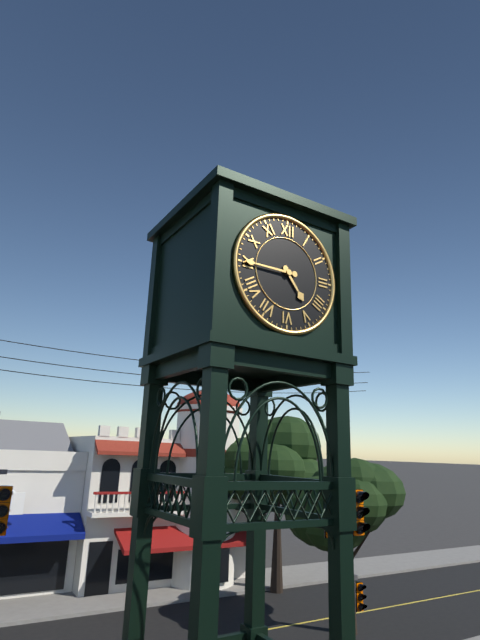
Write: 4,45
